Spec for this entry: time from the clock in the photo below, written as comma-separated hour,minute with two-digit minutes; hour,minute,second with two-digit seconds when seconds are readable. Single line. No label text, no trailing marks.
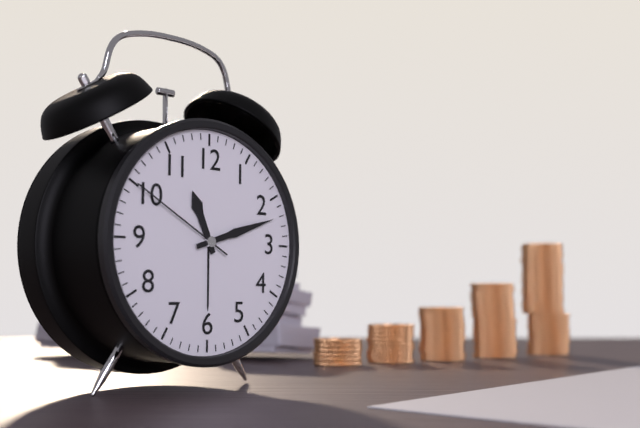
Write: 11,12,50
